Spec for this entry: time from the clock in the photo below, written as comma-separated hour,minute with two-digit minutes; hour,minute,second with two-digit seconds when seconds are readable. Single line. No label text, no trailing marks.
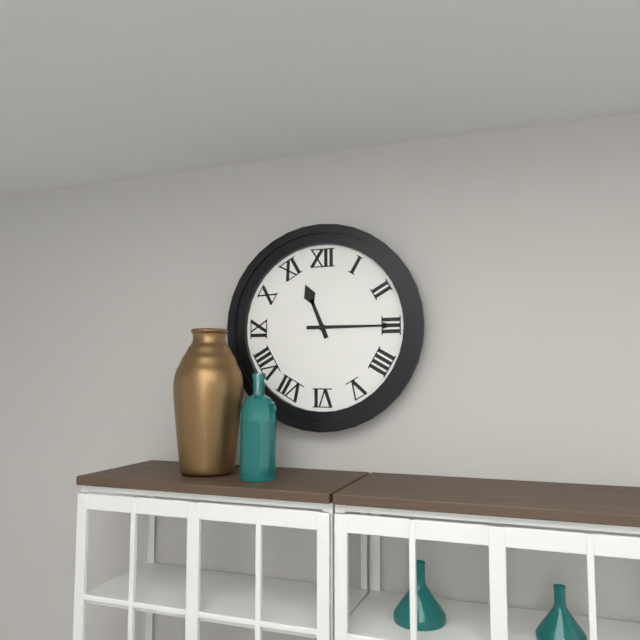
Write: 11,15
